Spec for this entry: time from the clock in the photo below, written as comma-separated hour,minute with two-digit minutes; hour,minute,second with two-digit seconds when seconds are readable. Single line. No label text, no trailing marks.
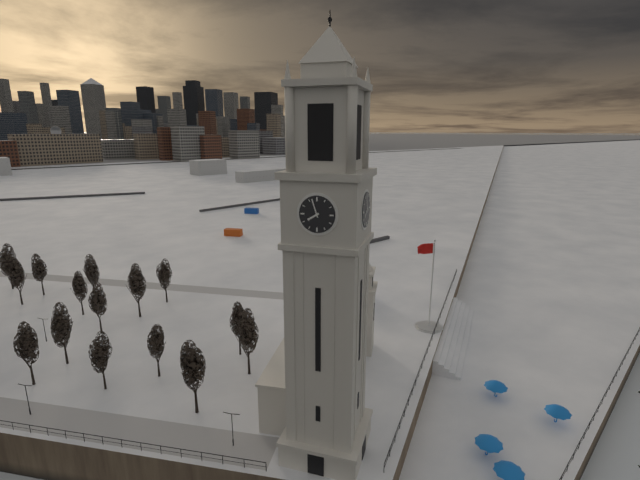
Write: 7,57
